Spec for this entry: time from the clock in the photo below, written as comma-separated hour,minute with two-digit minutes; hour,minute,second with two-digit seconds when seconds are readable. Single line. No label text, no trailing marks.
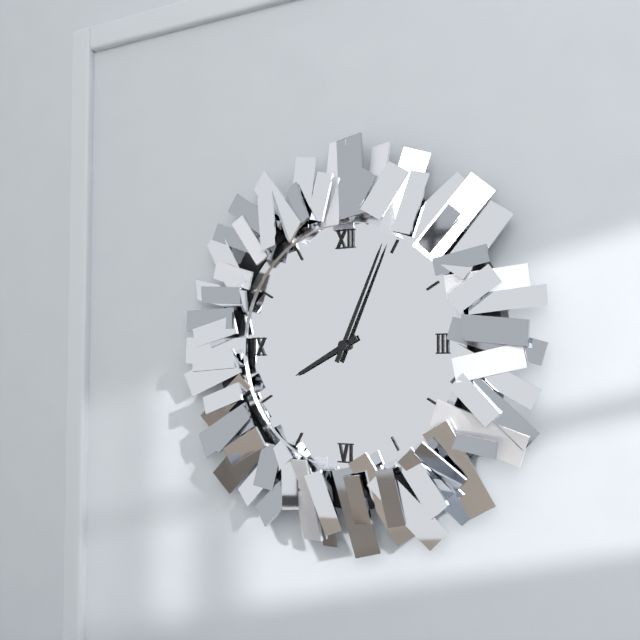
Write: 8,04
